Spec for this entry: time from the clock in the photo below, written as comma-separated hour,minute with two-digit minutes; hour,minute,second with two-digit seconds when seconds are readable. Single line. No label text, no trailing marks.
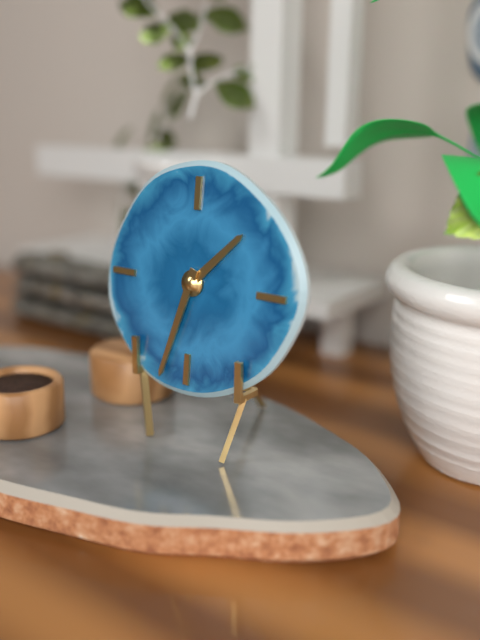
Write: 1,33
